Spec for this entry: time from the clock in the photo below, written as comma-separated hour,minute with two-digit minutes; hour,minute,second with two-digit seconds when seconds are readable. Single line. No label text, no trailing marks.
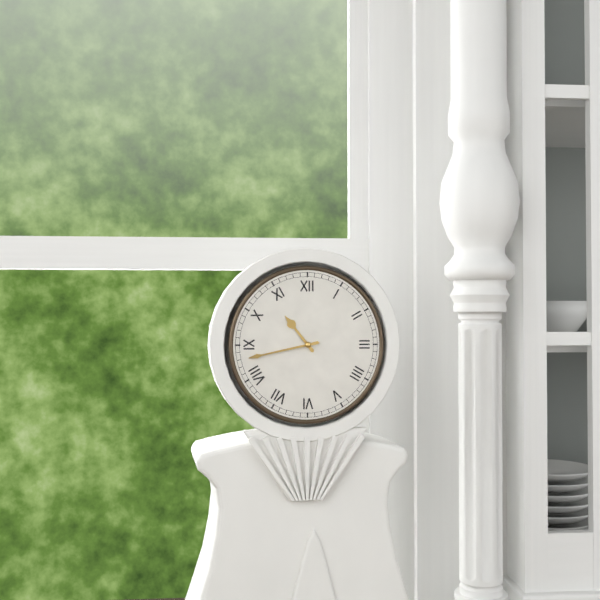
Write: 10,43
